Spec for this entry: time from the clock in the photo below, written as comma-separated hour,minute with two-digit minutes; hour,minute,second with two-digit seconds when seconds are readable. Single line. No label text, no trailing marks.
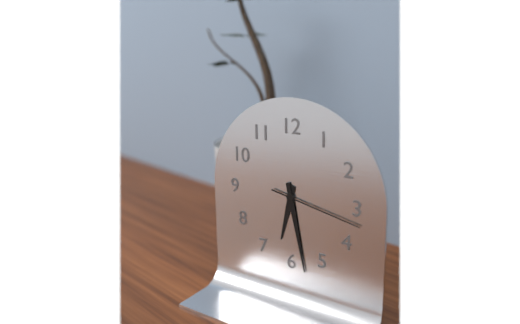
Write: 6,28,17
